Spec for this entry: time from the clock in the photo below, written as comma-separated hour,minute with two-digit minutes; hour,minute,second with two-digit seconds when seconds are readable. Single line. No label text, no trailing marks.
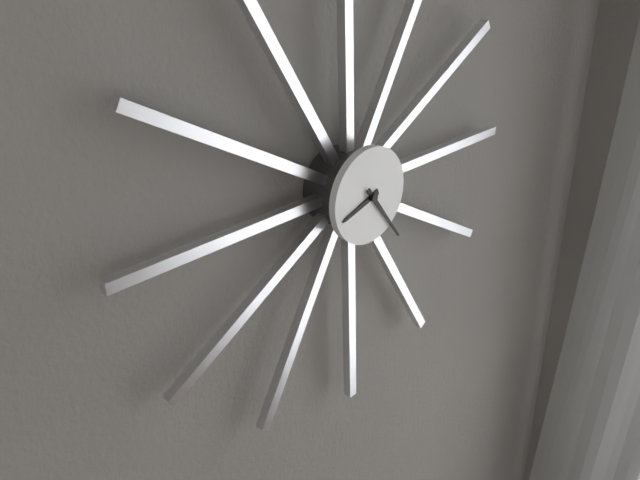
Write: 8,24
